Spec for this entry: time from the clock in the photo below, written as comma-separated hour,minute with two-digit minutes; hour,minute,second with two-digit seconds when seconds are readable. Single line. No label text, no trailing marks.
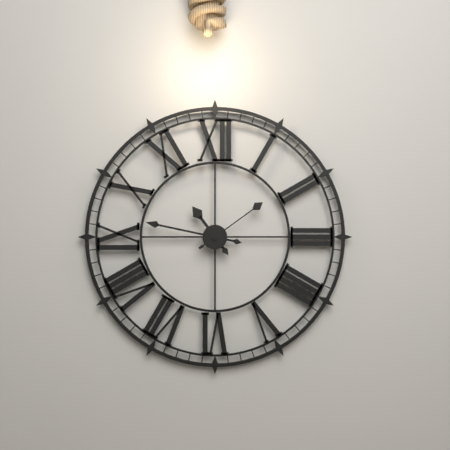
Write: 10,47,09
